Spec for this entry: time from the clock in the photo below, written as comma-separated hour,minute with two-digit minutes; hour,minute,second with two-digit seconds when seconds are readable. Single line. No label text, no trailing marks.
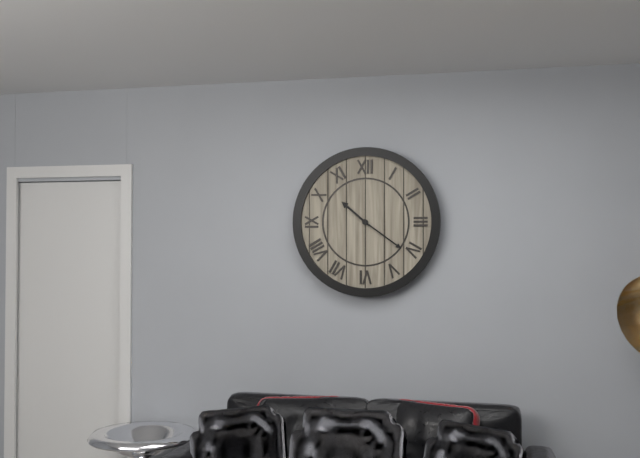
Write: 10,21
